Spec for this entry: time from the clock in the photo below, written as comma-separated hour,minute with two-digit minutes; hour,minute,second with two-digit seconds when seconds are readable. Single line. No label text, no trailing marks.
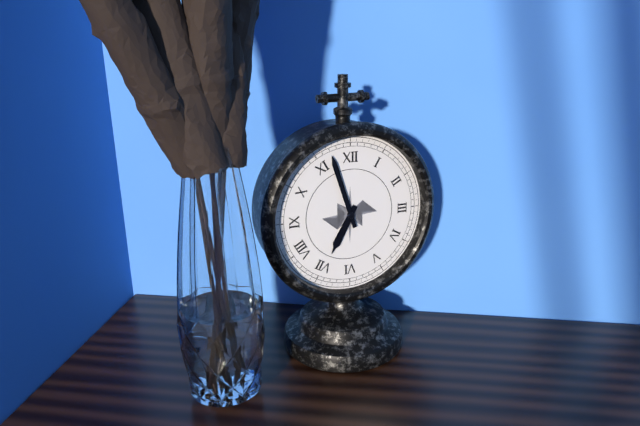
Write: 6,57
